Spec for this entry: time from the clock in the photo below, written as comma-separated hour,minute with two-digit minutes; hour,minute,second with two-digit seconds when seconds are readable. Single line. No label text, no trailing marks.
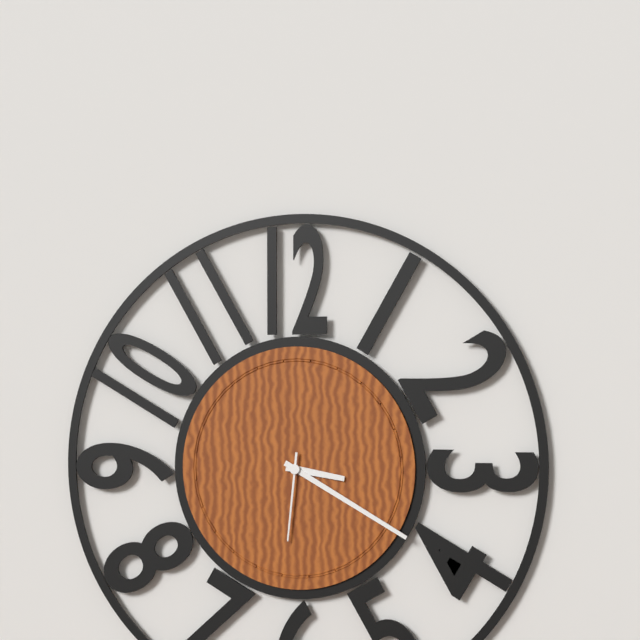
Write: 3,20,31
